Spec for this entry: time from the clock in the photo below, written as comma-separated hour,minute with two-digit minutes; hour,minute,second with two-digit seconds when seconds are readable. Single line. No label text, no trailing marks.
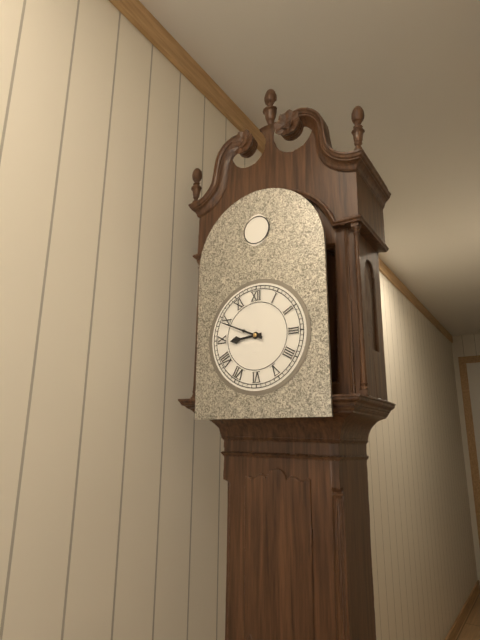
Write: 8,49
